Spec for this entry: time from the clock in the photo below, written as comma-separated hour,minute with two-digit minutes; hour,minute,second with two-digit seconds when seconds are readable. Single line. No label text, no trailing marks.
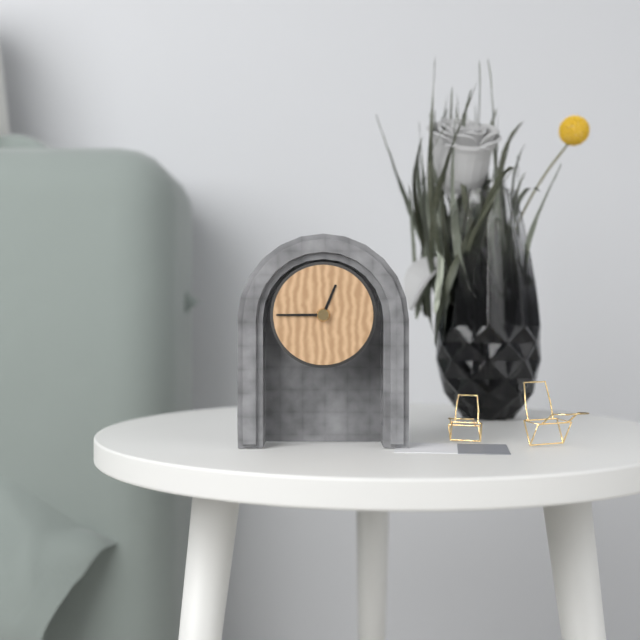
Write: 12,45
